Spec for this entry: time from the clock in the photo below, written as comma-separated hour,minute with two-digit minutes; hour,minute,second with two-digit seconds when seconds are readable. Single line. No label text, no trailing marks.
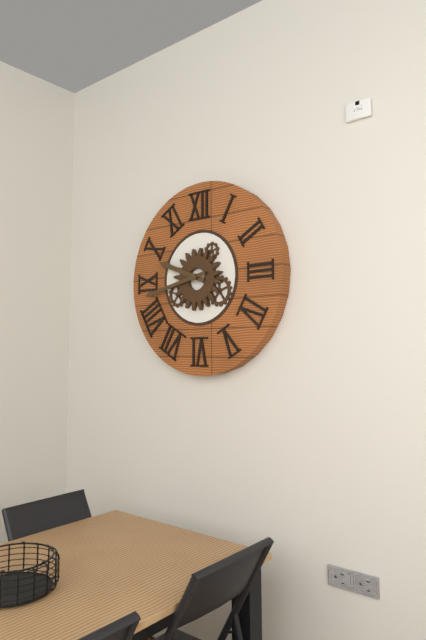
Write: 9,43
